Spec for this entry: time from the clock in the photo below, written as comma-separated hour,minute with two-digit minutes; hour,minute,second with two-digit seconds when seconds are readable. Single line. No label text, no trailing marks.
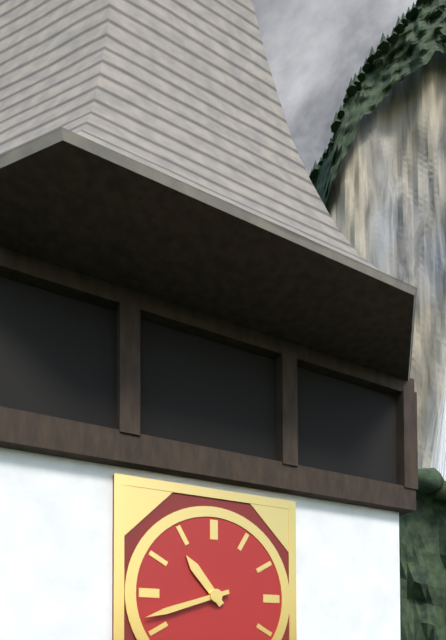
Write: 10,42
